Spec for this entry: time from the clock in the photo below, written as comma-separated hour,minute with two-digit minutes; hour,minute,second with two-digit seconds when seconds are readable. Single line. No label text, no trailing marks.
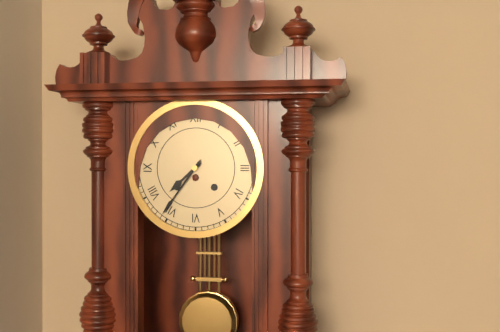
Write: 7,36
